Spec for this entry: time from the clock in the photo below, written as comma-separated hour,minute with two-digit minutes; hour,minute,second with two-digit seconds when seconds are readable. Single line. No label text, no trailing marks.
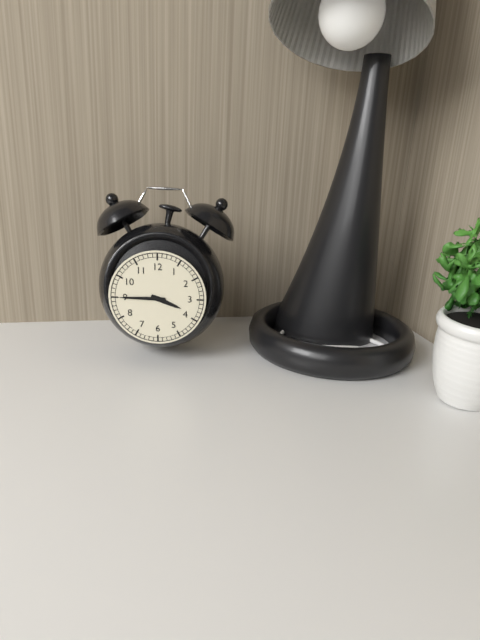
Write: 3,45
